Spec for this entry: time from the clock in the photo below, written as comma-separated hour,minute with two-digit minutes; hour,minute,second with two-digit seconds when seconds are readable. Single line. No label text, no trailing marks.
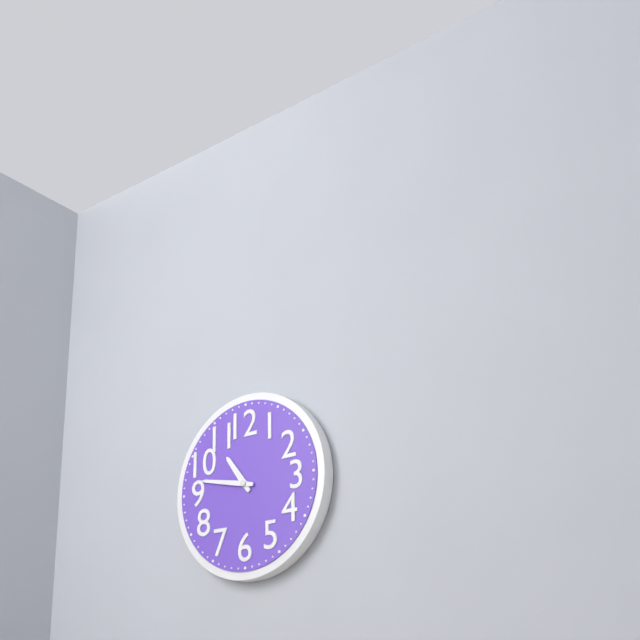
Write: 10,47
